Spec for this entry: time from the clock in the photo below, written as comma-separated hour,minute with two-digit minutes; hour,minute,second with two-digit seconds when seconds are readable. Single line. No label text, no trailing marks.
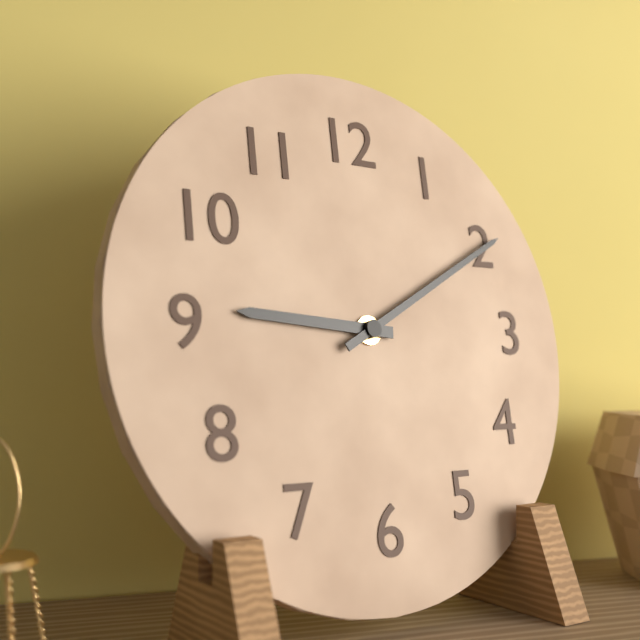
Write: 9,10
